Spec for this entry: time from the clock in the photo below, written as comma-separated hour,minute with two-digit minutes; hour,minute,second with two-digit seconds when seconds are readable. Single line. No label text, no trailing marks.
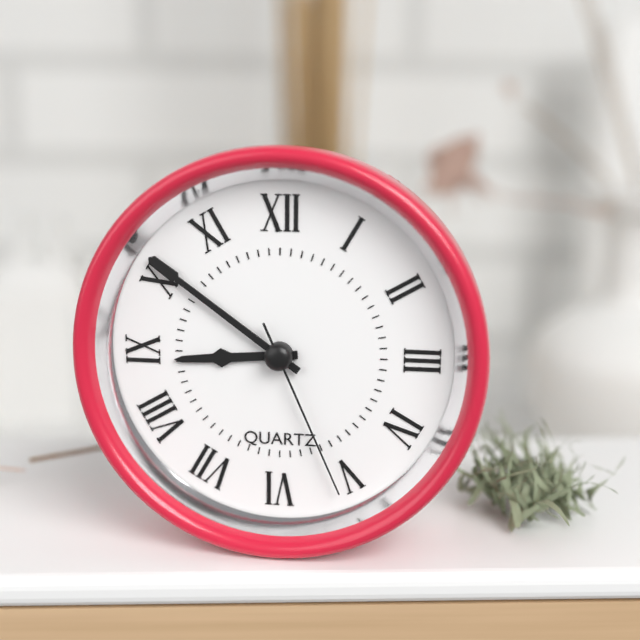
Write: 8,51,26
